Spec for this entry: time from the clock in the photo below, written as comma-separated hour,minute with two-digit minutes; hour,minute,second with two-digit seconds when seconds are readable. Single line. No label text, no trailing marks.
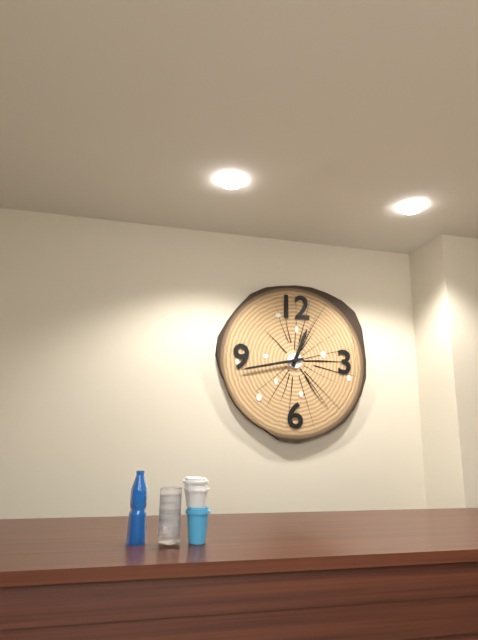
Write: 12,43
